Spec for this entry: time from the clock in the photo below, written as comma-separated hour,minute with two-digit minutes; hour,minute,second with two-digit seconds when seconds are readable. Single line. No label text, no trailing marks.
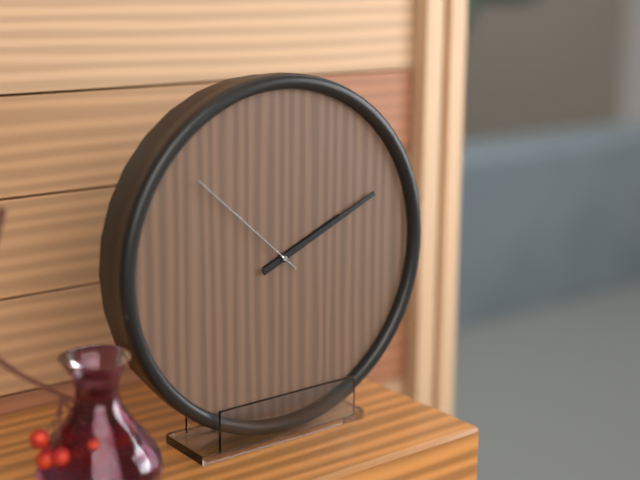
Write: 2,11,52
